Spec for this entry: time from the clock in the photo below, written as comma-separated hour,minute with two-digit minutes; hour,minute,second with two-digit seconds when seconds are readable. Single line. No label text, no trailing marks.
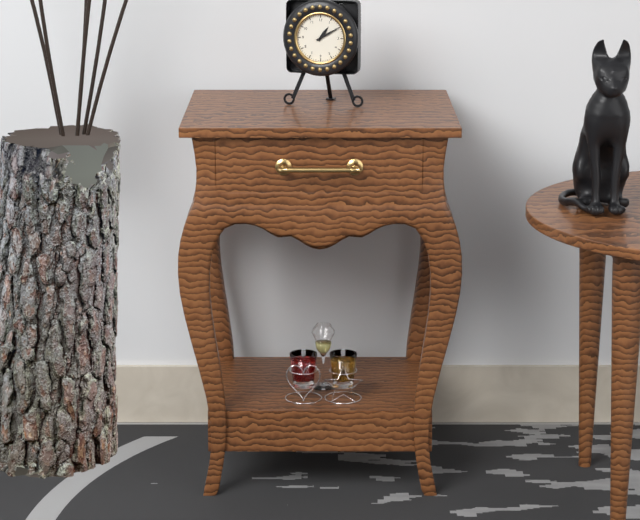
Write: 1,10
